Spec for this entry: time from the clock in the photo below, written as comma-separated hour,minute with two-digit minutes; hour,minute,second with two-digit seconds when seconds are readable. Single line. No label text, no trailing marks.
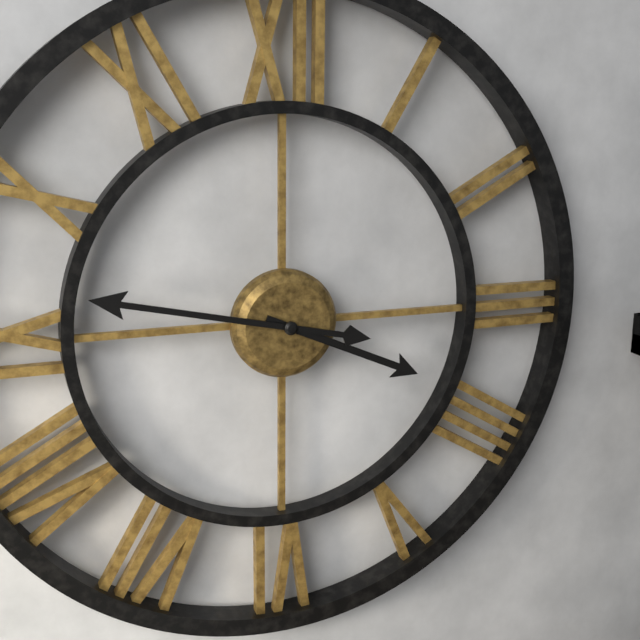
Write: 3,47
